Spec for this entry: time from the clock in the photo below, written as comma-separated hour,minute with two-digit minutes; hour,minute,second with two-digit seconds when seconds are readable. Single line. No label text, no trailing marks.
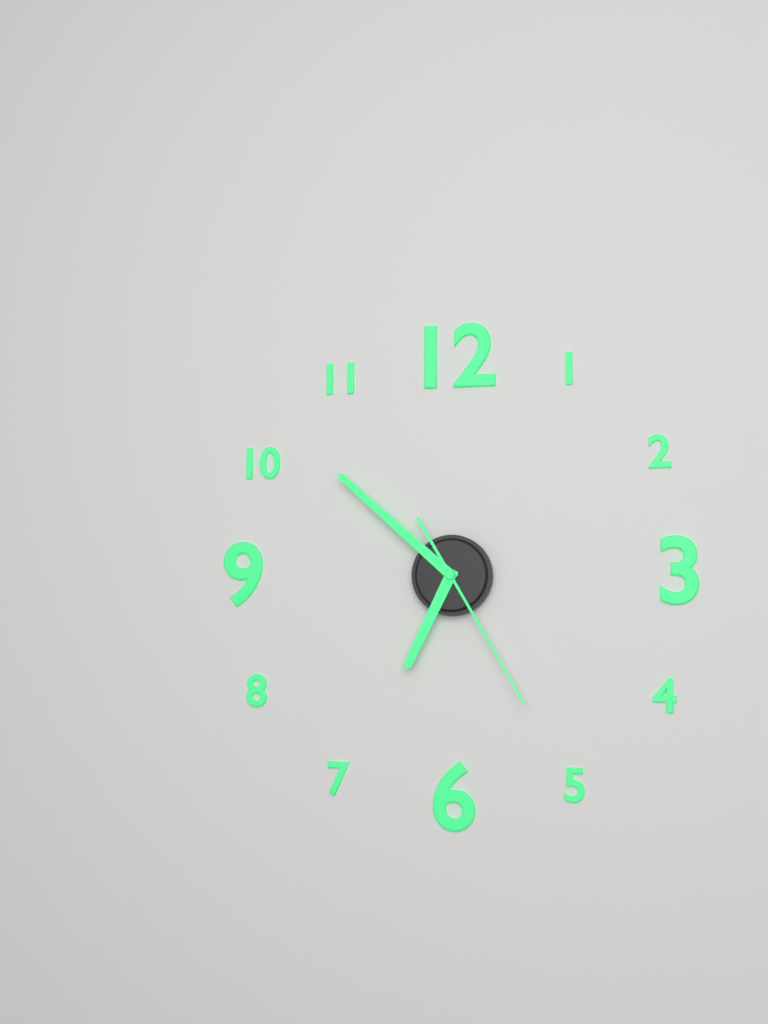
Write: 6,52,25
